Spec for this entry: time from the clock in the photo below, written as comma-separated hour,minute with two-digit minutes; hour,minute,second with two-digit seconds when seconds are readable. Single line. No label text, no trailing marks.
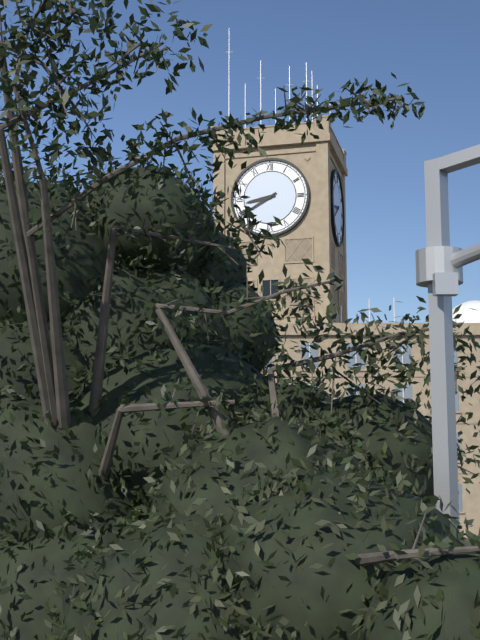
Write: 8,40
